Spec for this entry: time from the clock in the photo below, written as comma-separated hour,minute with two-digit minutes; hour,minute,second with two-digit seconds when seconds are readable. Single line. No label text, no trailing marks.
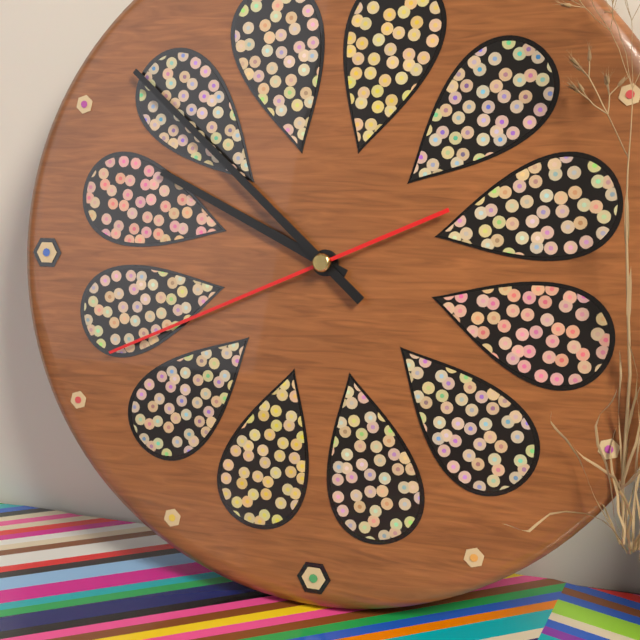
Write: 9,52,41
